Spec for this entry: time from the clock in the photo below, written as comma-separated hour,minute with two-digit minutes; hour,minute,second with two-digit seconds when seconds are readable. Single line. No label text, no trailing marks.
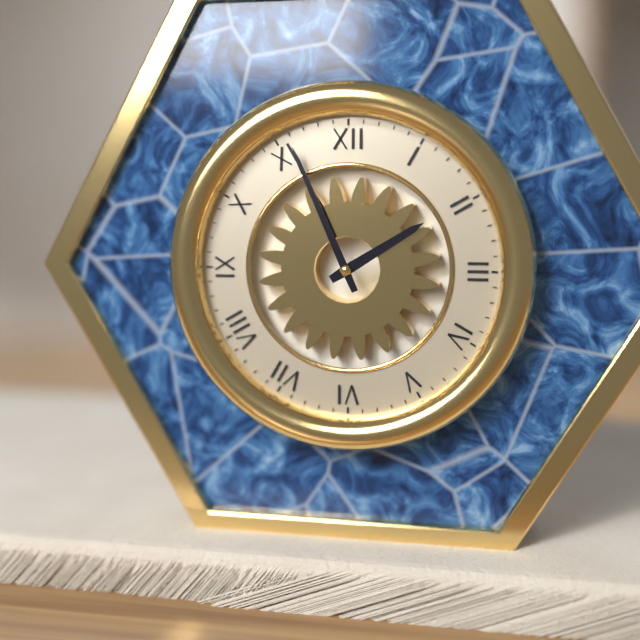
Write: 1,56
